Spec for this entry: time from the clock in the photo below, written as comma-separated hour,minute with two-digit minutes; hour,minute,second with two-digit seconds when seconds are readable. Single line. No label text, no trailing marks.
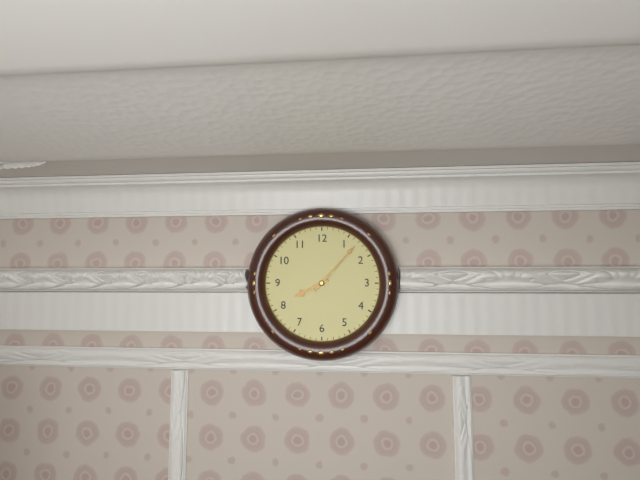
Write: 8,07
